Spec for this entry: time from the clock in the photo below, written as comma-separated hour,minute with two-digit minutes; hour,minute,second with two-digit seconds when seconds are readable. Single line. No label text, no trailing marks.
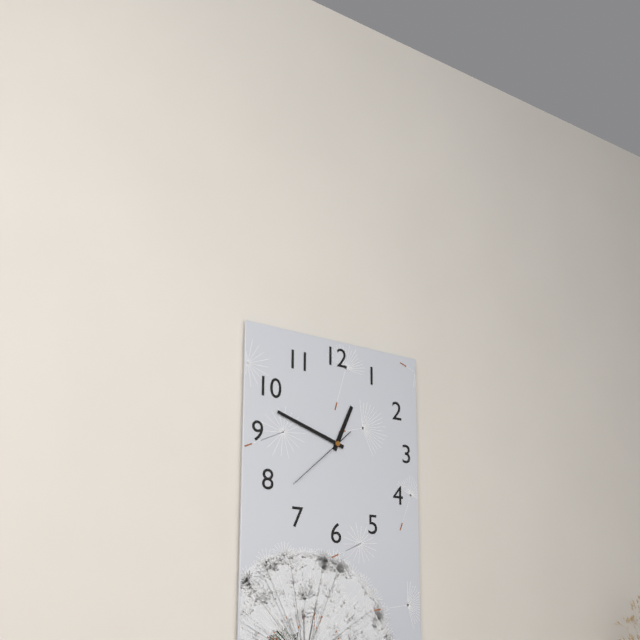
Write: 12,48,38
